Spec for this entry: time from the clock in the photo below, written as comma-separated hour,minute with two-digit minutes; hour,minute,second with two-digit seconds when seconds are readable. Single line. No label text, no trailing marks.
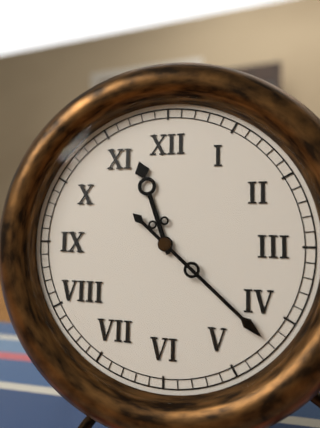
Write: 11,22
